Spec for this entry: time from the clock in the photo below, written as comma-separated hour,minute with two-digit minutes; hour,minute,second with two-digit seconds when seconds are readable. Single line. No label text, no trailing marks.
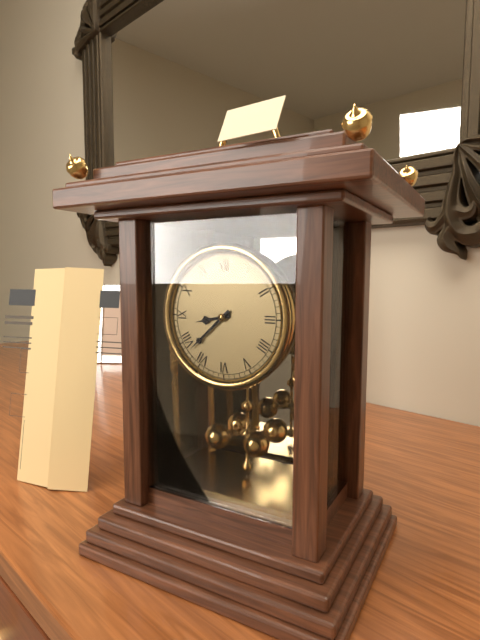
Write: 8,38
